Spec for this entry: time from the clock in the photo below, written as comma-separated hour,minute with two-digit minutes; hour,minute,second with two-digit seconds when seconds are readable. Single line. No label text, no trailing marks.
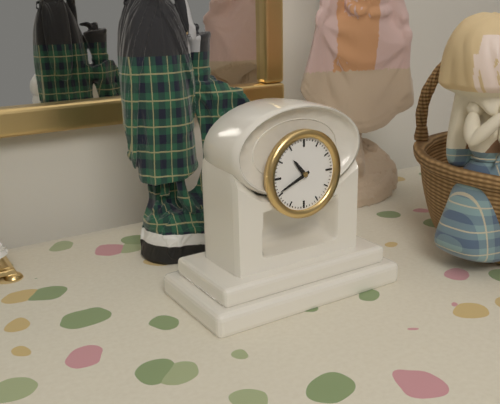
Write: 10,41
